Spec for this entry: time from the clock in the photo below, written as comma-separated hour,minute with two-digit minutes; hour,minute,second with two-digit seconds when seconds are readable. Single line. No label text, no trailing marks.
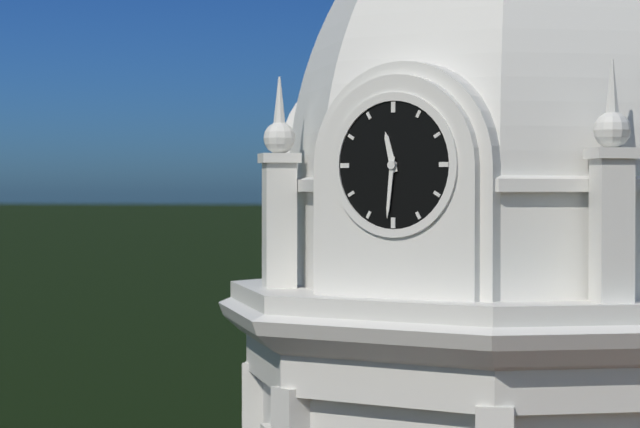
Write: 11,31
